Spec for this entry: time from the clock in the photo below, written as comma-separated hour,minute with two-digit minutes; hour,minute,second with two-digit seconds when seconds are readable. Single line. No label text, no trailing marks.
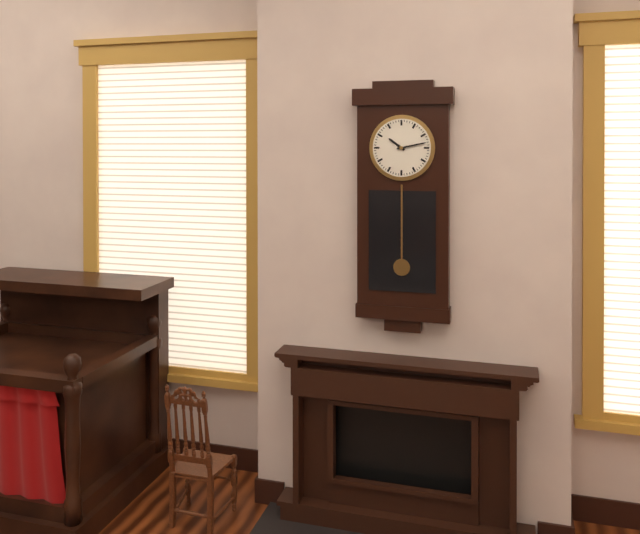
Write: 10,13
